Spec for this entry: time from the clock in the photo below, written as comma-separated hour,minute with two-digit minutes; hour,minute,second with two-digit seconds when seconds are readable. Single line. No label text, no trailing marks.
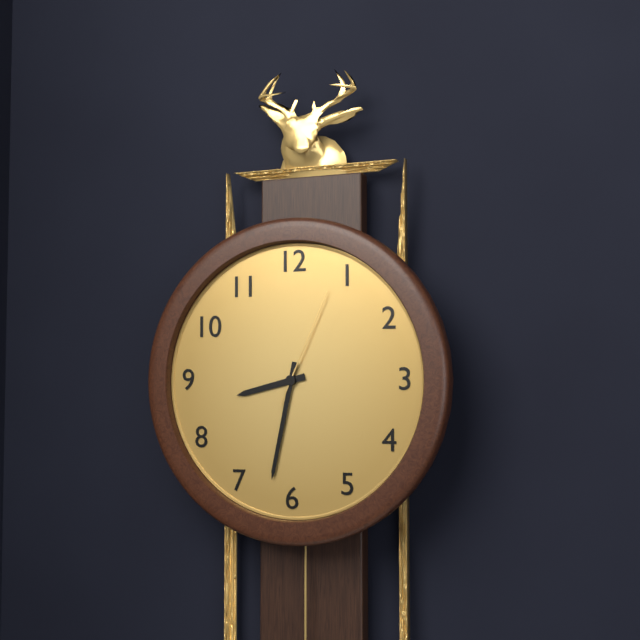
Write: 8,32,04
